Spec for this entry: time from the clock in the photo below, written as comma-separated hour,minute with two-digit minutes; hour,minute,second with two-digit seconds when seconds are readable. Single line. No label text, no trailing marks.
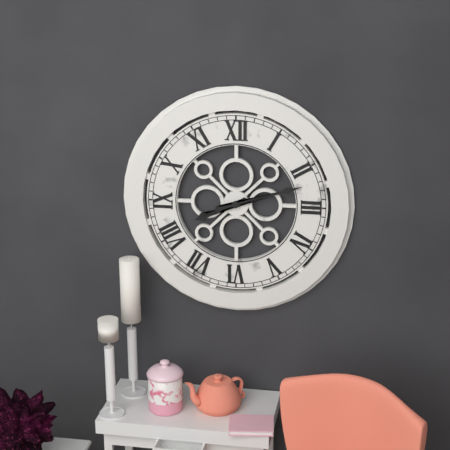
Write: 8,12
